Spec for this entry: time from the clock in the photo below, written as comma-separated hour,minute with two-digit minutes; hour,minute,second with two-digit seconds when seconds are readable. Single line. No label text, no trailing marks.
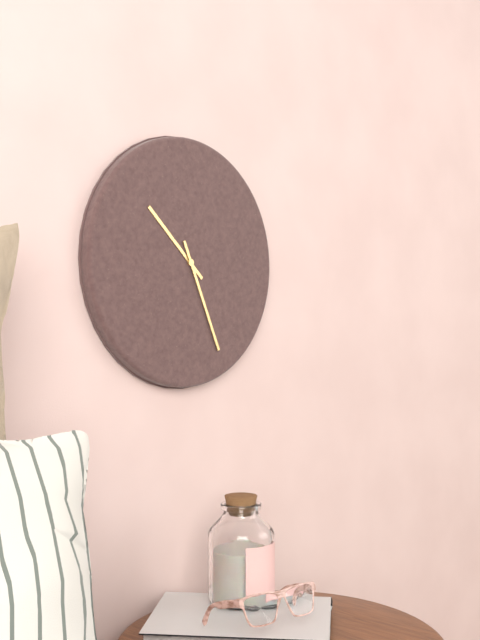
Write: 10,26
